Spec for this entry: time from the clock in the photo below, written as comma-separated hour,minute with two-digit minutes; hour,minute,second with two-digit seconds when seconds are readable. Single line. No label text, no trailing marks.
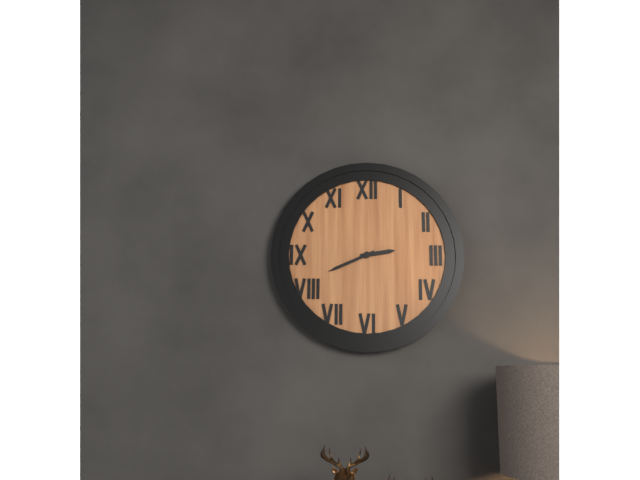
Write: 2,41
